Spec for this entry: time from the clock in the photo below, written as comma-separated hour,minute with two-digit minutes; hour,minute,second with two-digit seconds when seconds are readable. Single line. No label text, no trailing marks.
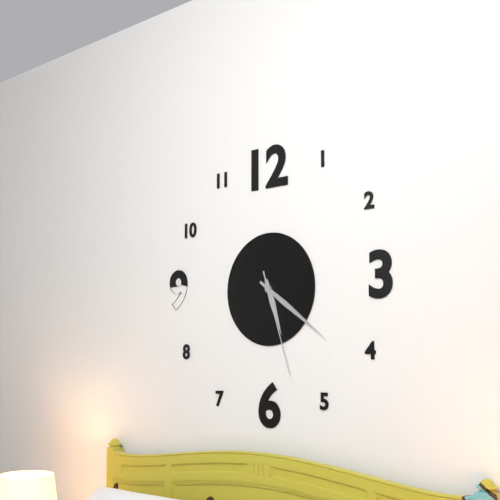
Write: 5,21,27
